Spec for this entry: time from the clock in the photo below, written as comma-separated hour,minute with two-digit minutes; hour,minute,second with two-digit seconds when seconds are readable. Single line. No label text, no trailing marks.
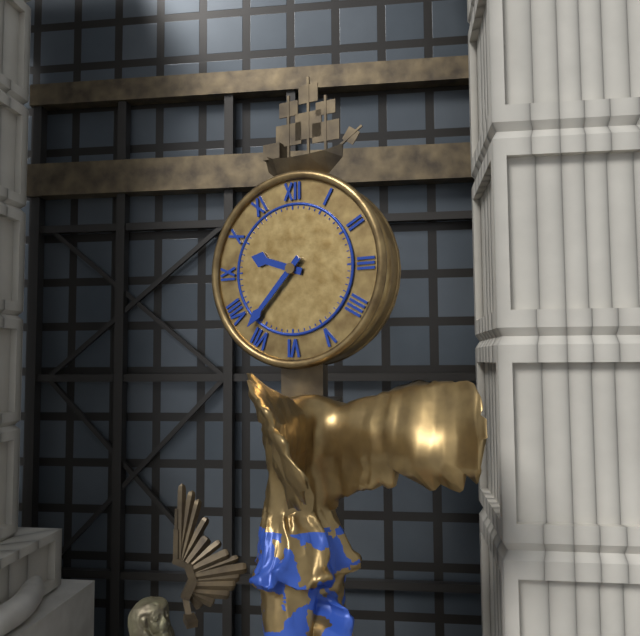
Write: 9,37
